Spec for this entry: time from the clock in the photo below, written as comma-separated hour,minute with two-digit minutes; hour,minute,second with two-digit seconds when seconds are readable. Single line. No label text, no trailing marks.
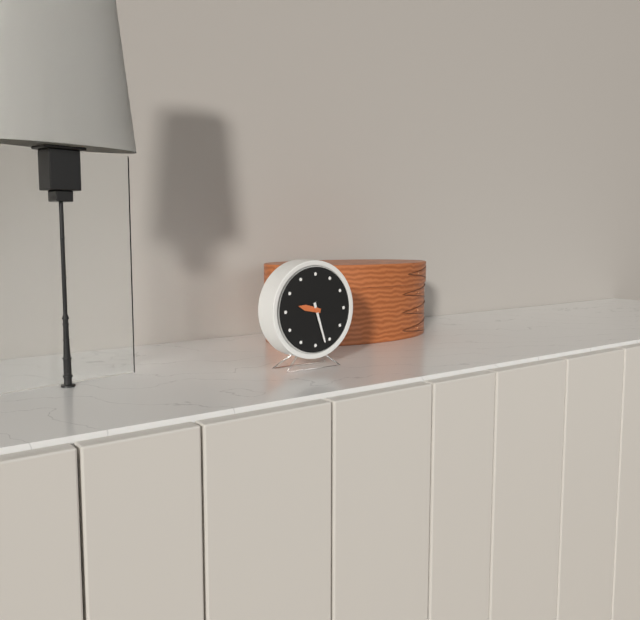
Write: 9,27
